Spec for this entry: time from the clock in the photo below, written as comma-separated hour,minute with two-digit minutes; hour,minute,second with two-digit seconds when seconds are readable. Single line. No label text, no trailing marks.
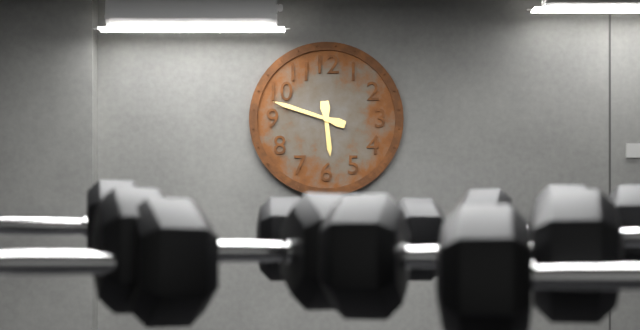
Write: 5,48
